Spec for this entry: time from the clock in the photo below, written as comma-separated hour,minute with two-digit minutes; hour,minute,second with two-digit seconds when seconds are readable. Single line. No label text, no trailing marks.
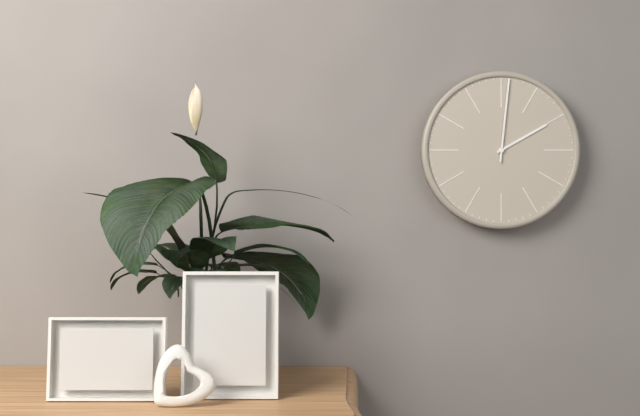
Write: 2,01
